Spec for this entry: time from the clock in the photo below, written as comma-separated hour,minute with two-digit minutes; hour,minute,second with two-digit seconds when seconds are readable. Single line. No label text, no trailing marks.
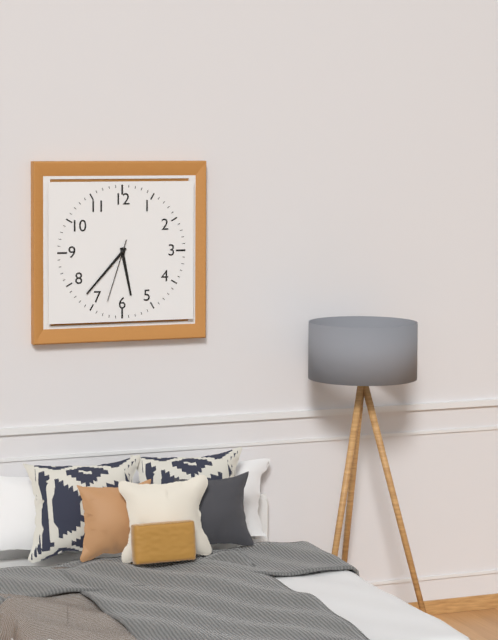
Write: 5,37,33
